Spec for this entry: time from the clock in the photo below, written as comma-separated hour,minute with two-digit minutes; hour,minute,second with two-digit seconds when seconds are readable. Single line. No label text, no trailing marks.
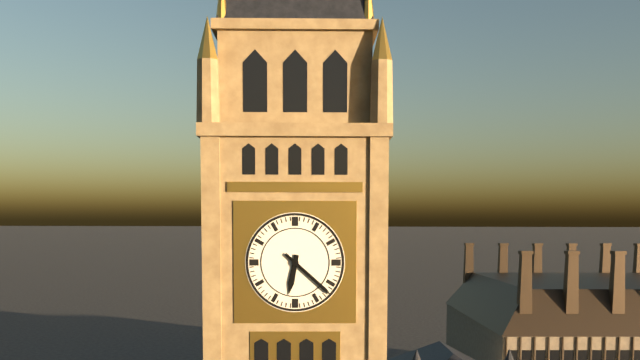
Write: 6,22
